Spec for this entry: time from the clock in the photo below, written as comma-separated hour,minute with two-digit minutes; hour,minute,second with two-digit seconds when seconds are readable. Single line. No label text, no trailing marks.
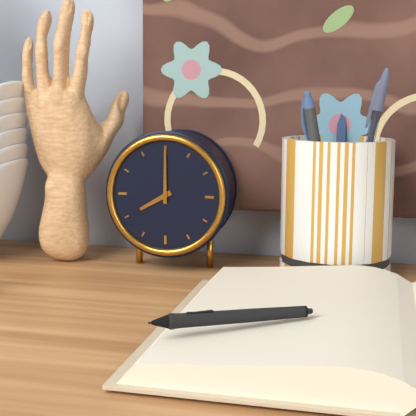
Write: 8,00
